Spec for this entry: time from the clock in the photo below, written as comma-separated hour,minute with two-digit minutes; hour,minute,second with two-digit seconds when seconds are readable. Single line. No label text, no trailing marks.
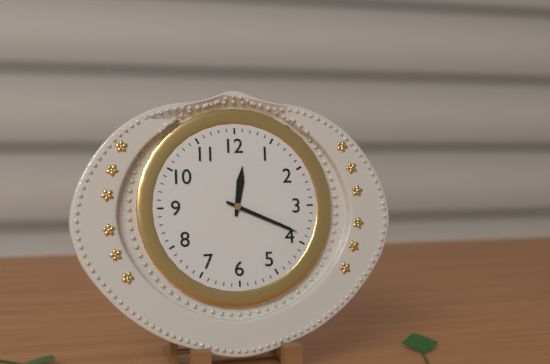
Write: 12,19
